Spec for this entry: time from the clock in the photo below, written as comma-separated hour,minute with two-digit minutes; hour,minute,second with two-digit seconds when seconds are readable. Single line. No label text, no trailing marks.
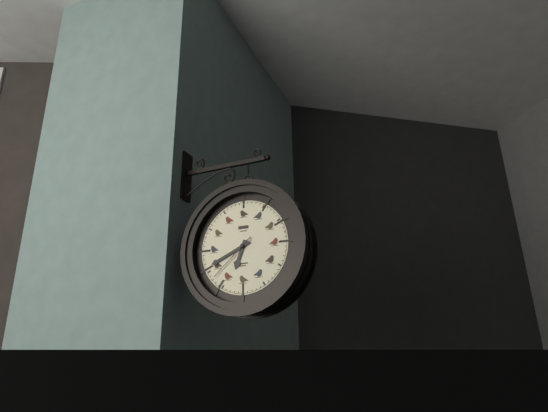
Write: 6,41,38
